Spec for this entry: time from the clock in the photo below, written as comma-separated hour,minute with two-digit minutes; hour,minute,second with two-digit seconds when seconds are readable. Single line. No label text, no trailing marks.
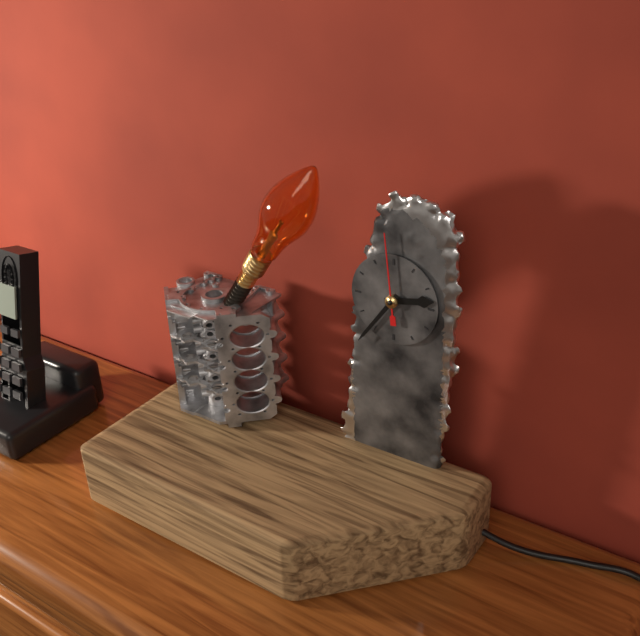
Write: 2,36,59
